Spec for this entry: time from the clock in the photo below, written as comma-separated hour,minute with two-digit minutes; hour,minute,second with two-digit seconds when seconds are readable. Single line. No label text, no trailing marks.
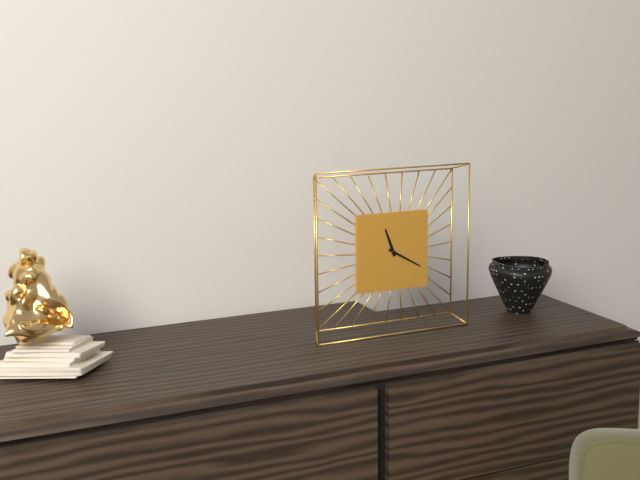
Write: 11,20
